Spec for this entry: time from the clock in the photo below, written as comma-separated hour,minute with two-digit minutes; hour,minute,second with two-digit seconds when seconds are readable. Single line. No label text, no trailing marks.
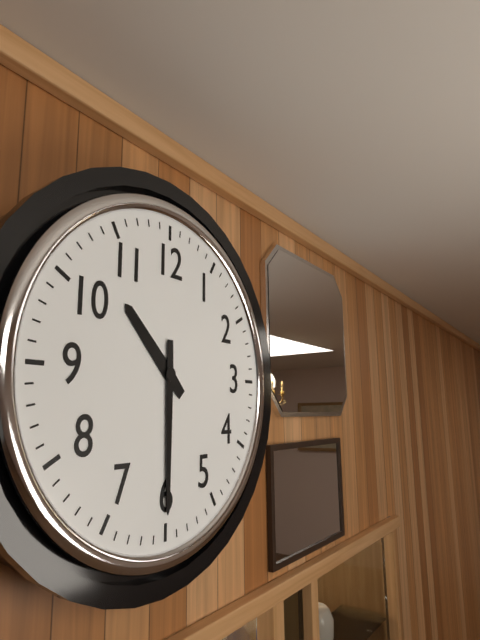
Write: 10,30
